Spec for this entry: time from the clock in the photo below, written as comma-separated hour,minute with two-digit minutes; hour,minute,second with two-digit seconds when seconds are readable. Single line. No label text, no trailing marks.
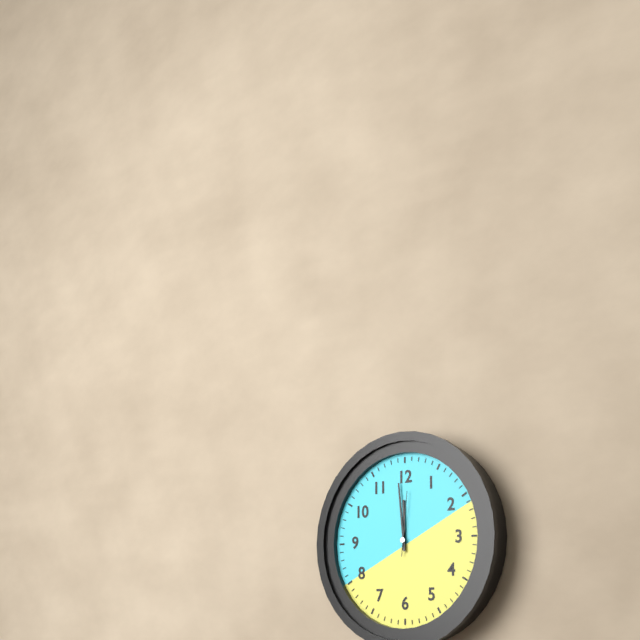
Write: 11,59,01
